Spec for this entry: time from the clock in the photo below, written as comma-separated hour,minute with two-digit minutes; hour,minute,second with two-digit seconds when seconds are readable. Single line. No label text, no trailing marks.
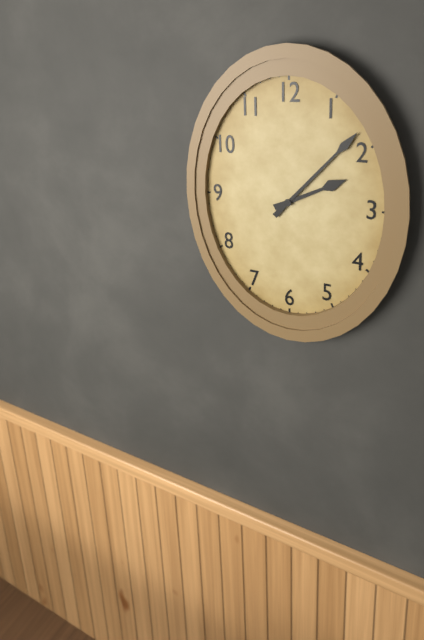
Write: 2,07
